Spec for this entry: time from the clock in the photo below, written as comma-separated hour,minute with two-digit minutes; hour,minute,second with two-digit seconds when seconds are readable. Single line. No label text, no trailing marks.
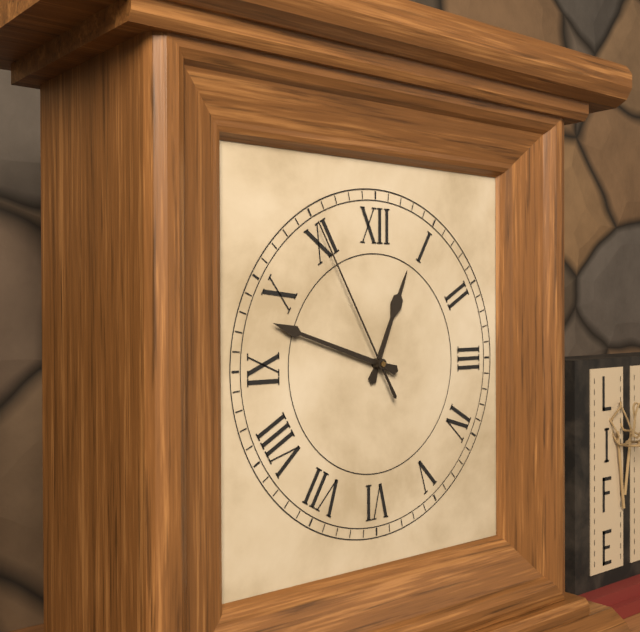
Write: 12,48,55
